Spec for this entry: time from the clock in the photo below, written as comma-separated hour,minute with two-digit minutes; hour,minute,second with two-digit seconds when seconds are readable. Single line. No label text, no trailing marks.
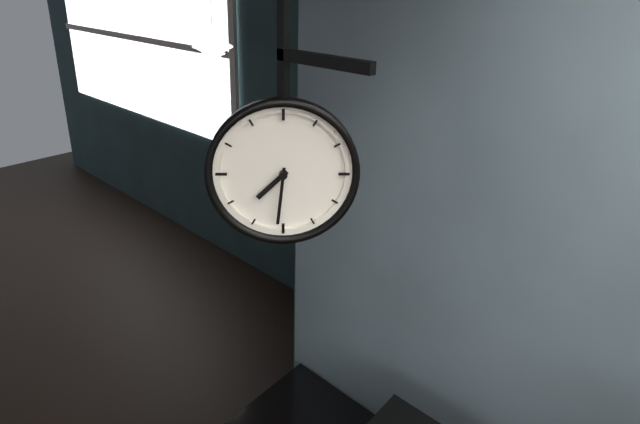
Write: 7,31
